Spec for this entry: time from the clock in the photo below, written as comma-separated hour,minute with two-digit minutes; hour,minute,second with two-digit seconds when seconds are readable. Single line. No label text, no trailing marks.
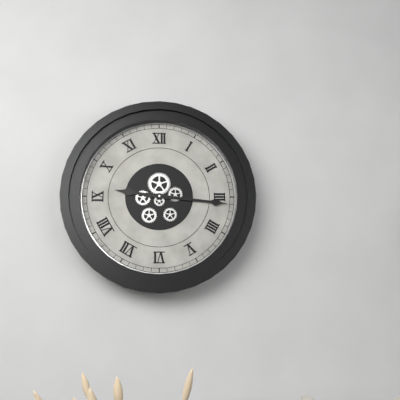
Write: 9,16
